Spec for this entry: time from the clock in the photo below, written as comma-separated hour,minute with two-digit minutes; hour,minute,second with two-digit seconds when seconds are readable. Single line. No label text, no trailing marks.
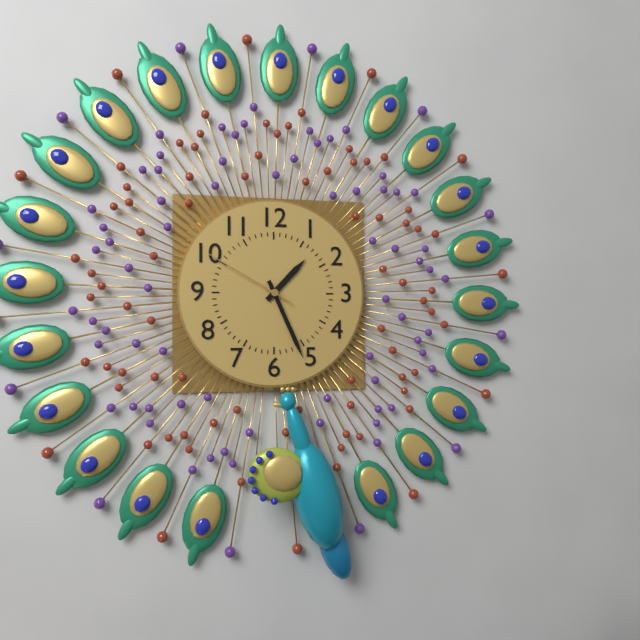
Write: 1,26,50
